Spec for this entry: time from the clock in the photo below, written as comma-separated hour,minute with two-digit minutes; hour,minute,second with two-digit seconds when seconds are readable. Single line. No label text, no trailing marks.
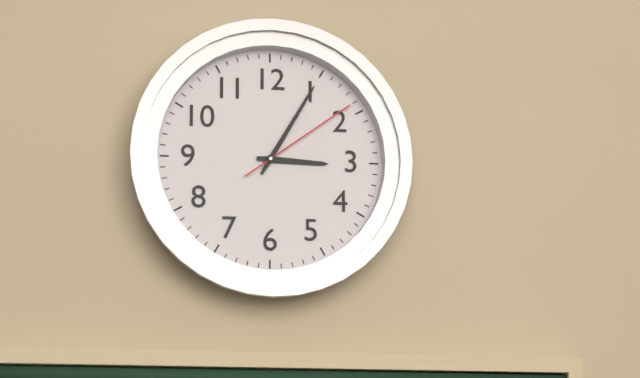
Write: 3,05,09
